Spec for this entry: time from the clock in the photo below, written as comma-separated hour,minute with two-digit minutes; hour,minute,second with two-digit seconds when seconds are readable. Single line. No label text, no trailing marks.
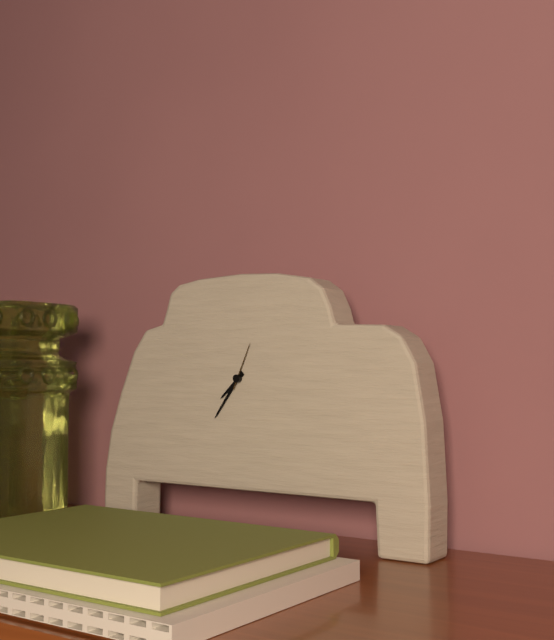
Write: 7,36
